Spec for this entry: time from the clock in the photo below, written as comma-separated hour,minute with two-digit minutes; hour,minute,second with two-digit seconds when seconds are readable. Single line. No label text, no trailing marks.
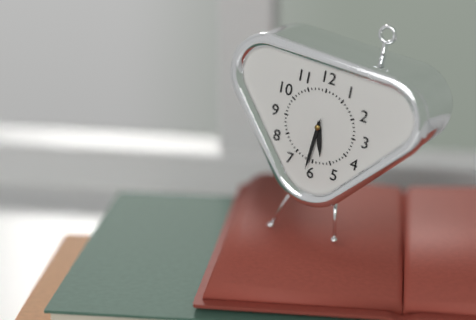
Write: 5,31
